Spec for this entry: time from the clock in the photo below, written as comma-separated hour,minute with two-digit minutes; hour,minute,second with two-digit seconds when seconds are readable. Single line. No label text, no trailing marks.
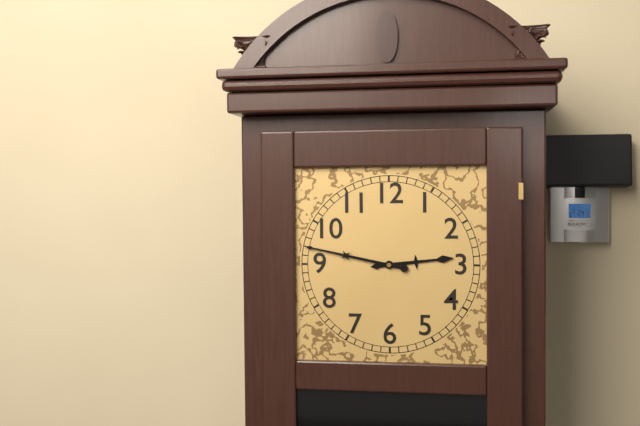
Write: 2,47
